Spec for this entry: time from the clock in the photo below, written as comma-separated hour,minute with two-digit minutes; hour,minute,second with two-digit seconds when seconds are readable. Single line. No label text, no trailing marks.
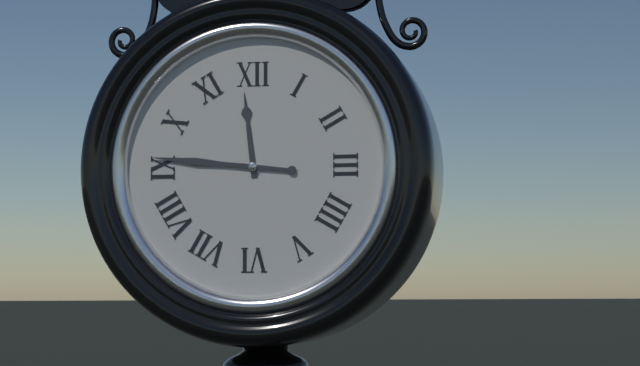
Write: 11,46
